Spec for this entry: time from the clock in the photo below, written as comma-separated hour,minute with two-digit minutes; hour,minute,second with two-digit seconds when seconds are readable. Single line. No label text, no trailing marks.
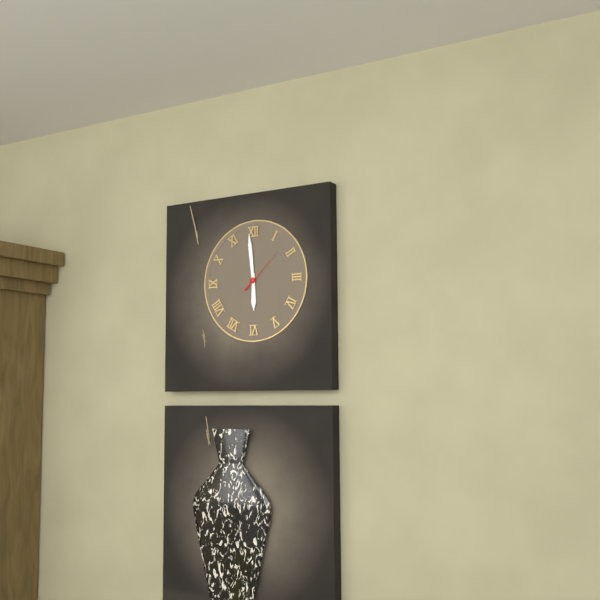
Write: 5,59
